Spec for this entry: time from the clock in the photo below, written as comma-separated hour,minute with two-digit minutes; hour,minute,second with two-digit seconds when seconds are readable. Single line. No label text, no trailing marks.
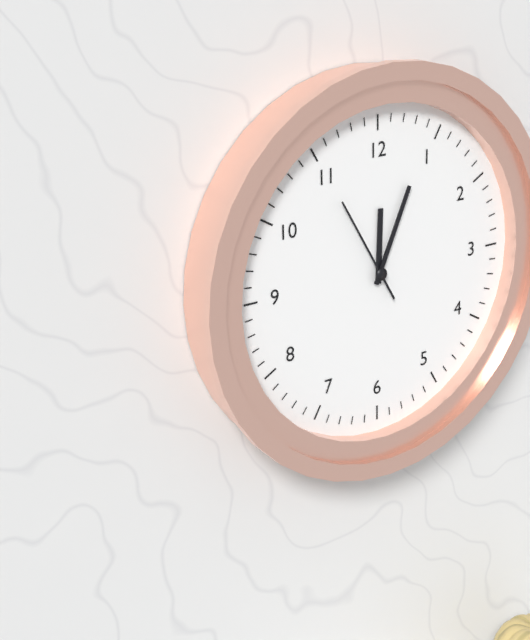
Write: 12,04,55
